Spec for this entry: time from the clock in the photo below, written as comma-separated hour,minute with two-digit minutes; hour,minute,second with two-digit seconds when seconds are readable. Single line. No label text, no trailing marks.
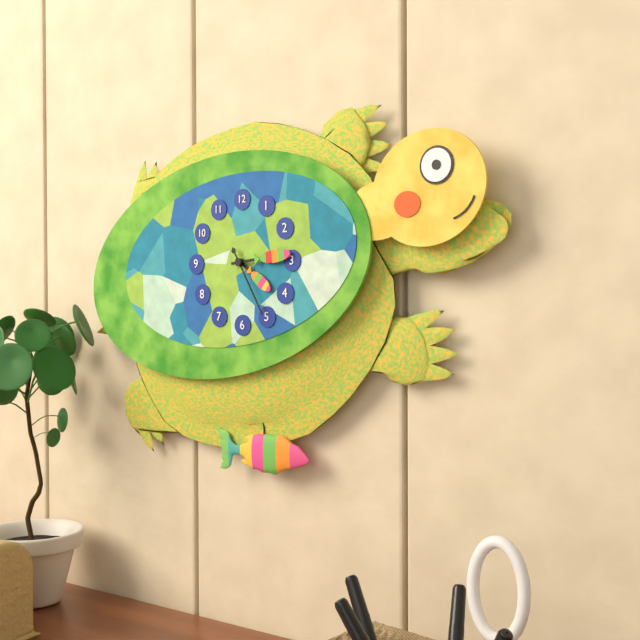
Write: 4,14,25
